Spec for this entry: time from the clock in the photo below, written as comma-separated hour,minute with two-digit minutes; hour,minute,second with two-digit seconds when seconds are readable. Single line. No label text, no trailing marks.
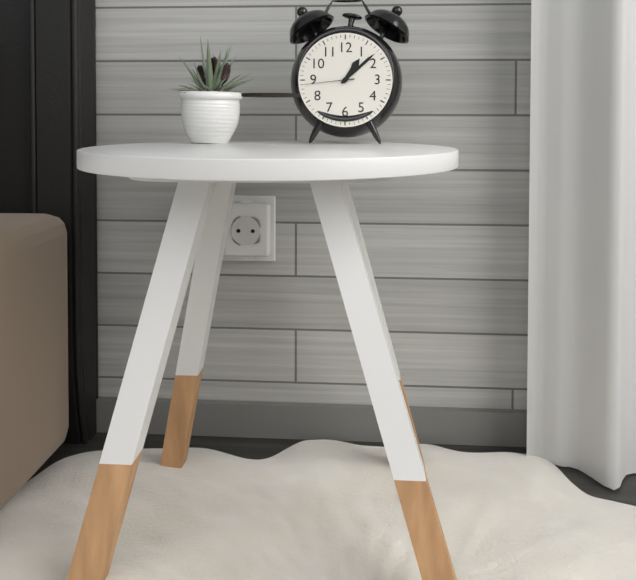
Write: 1,08,44
